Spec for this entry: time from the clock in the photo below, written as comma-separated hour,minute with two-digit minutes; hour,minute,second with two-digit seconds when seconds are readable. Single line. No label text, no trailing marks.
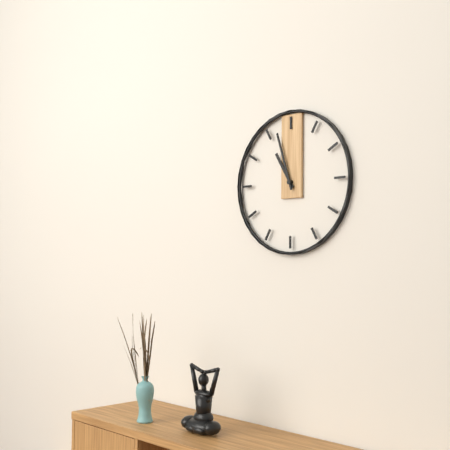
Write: 10,57
